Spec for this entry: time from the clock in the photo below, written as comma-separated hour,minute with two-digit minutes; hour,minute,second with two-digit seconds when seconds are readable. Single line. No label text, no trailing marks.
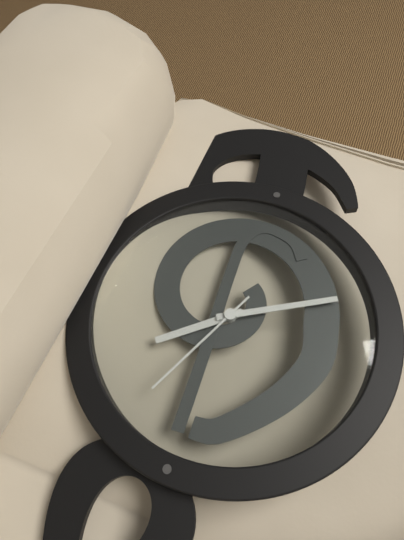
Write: 1,40,04
